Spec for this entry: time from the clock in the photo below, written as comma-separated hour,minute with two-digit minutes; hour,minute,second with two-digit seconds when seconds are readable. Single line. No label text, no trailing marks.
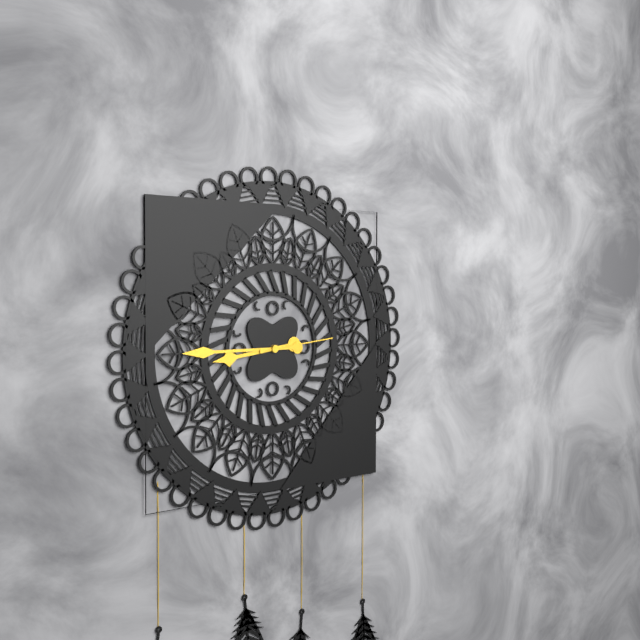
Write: 8,45,14
